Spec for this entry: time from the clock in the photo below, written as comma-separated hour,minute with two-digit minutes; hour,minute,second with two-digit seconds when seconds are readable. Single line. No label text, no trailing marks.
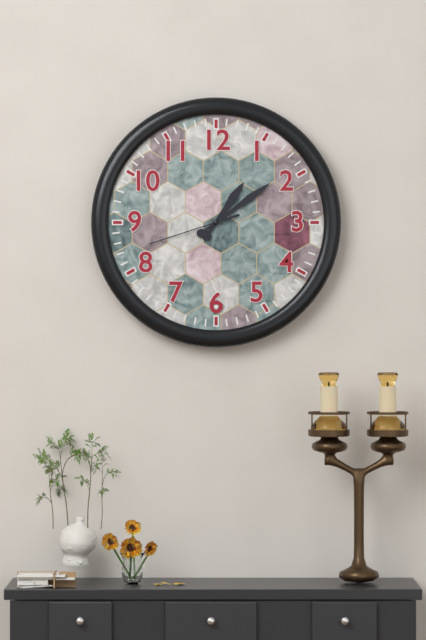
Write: 1,09,42
